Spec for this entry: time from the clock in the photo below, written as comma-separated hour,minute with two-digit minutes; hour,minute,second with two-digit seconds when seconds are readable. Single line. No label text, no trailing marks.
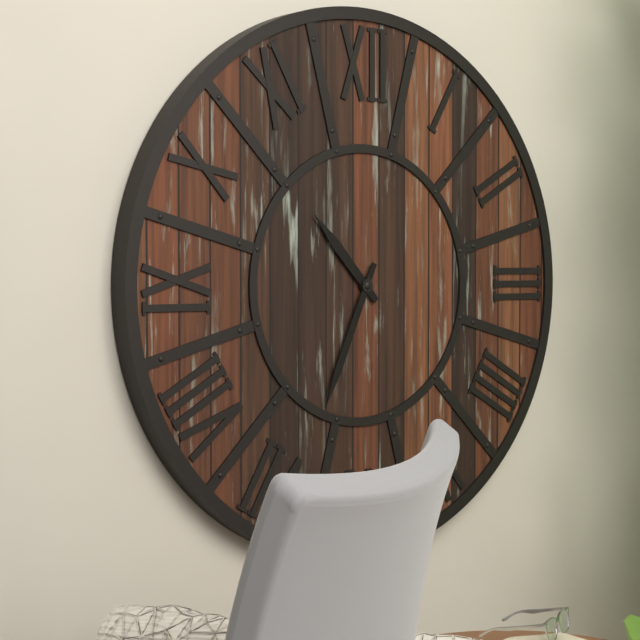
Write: 10,34
